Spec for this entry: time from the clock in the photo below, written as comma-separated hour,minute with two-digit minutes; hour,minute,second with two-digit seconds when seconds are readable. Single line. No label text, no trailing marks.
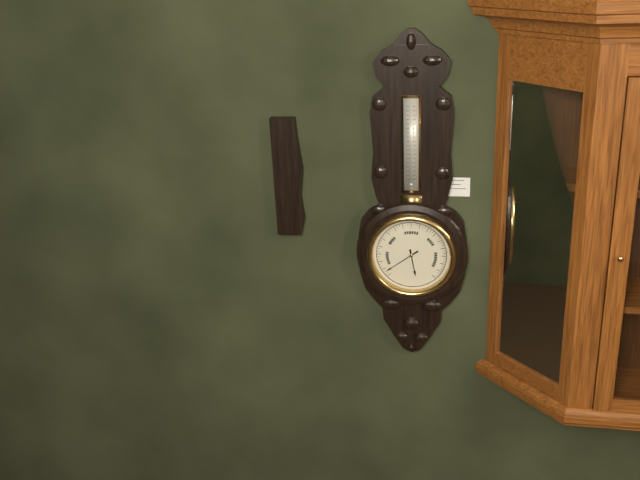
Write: 5,39
